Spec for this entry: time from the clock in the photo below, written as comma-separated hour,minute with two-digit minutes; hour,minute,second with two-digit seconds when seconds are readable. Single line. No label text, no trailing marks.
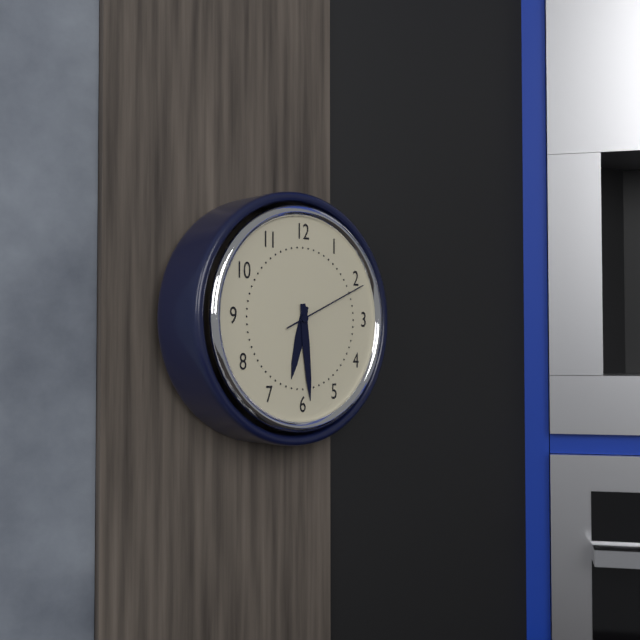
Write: 6,29,11
